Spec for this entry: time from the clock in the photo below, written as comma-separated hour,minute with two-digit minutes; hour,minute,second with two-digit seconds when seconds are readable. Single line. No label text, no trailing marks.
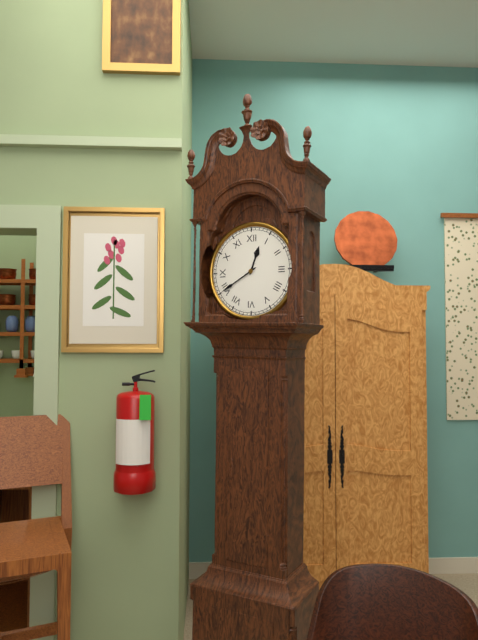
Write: 12,40
